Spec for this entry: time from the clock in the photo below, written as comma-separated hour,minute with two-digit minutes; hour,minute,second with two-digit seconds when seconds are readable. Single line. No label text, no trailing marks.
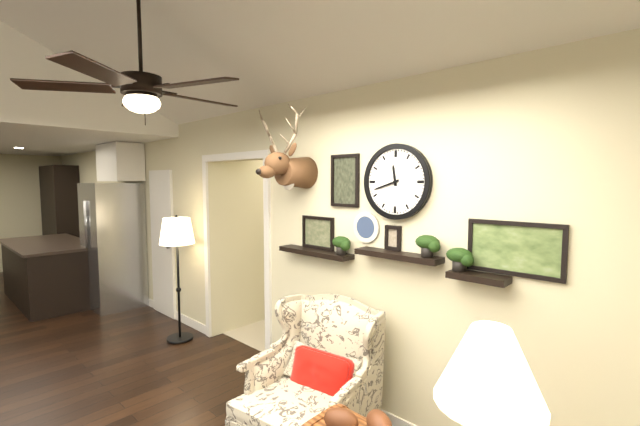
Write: 11,42
